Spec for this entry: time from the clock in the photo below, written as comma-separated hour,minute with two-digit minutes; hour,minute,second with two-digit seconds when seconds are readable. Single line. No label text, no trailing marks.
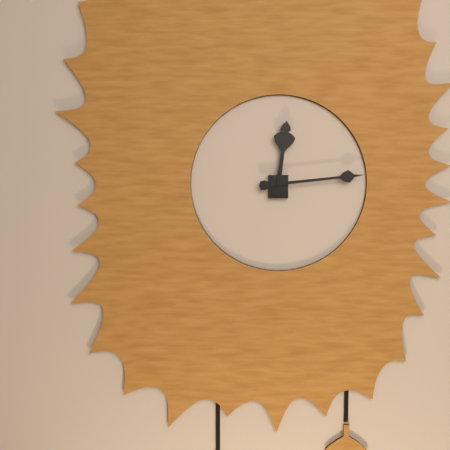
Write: 12,14
